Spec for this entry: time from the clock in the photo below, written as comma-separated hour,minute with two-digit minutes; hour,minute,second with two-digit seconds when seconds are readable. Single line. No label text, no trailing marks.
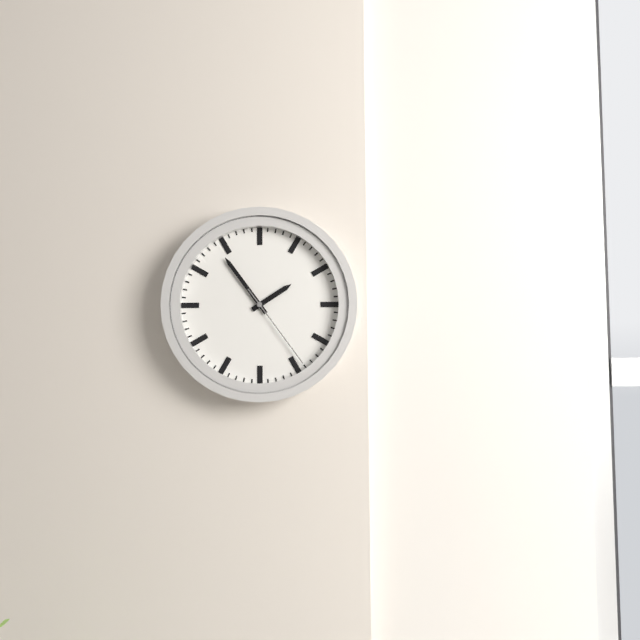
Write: 1,54,24
